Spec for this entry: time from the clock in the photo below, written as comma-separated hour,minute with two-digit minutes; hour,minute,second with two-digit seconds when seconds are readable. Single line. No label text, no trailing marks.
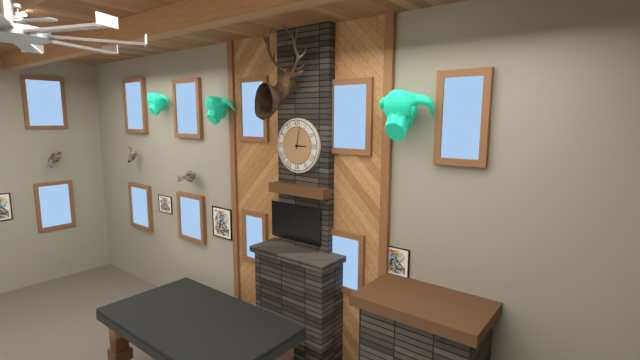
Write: 3,02
